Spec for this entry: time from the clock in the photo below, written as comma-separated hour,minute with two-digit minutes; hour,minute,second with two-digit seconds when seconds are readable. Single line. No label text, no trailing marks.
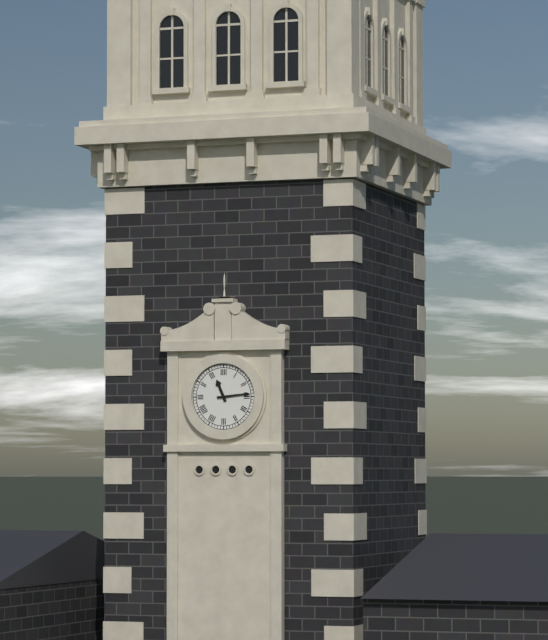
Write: 11,14
